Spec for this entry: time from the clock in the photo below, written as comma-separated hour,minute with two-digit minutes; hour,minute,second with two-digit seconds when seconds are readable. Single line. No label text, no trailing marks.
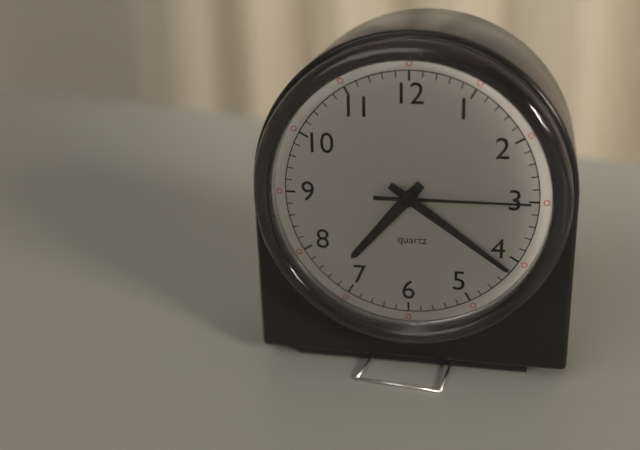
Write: 7,21,15
